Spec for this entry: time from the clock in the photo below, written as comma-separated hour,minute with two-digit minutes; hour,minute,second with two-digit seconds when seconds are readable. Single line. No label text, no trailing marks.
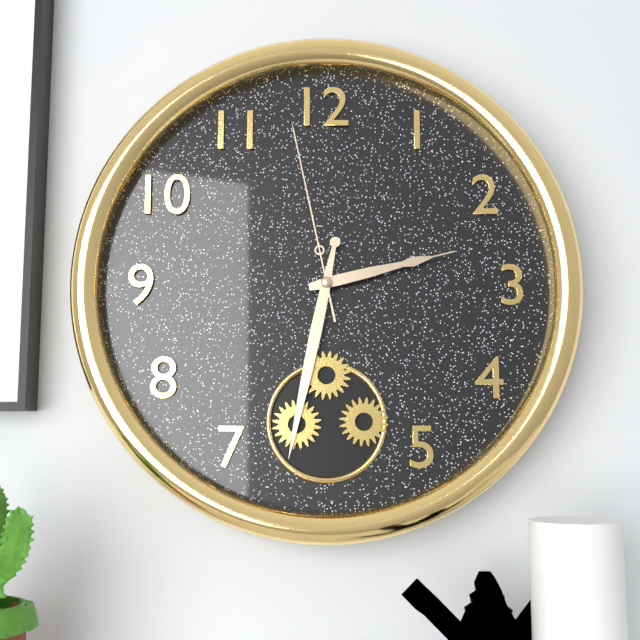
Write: 2,32,58
